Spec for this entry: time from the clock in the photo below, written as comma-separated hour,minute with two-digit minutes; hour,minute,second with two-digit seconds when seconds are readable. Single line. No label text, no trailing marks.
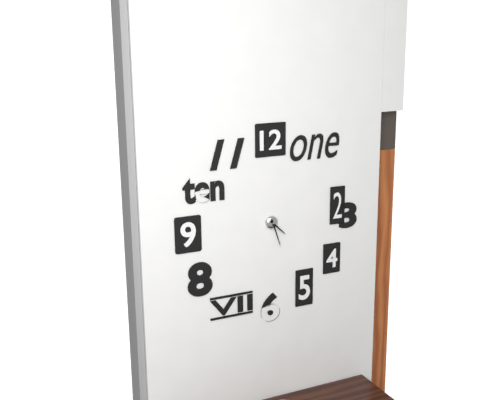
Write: 4,27
